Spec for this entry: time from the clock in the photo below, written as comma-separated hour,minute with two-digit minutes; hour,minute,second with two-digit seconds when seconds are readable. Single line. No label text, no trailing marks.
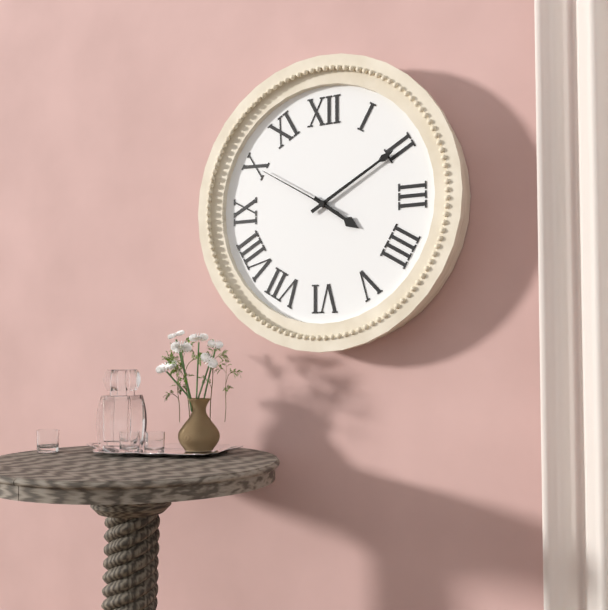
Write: 4,10,50
